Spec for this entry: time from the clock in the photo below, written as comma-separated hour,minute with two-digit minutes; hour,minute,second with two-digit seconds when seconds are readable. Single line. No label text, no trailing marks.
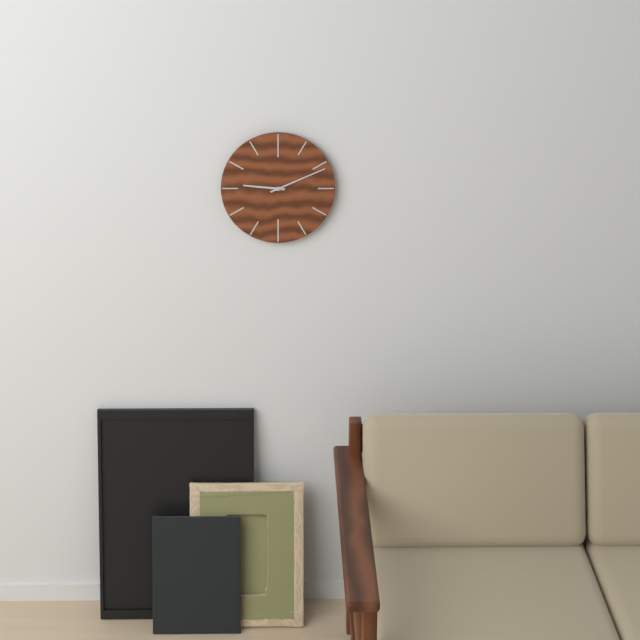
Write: 9,11
